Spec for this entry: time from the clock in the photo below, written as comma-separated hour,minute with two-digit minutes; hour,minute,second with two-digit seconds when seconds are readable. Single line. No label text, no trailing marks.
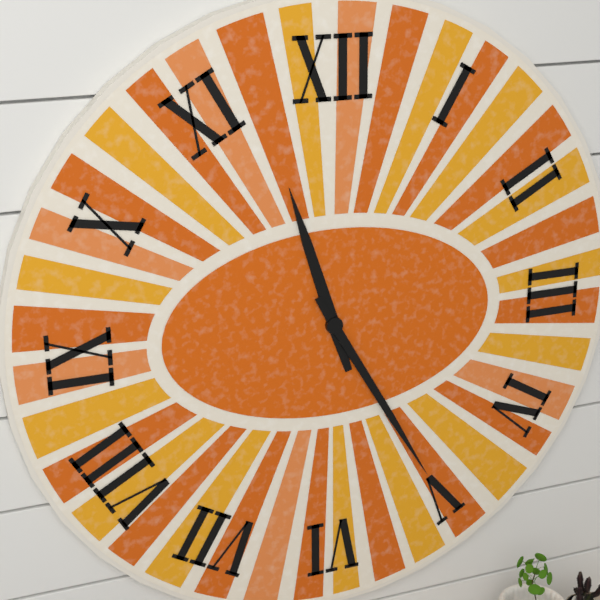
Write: 11,25
